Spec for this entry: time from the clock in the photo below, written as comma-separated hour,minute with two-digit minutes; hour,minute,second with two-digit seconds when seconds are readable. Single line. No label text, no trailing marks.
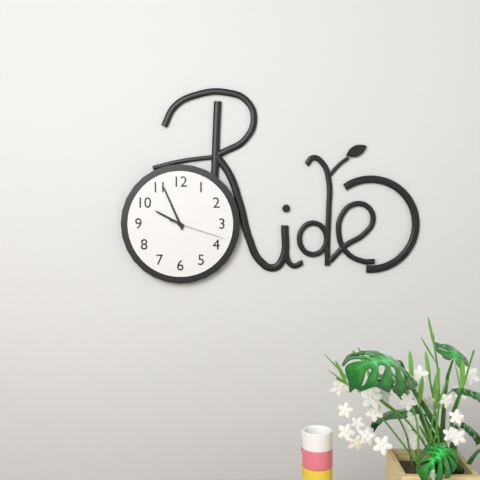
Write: 9,56,18
